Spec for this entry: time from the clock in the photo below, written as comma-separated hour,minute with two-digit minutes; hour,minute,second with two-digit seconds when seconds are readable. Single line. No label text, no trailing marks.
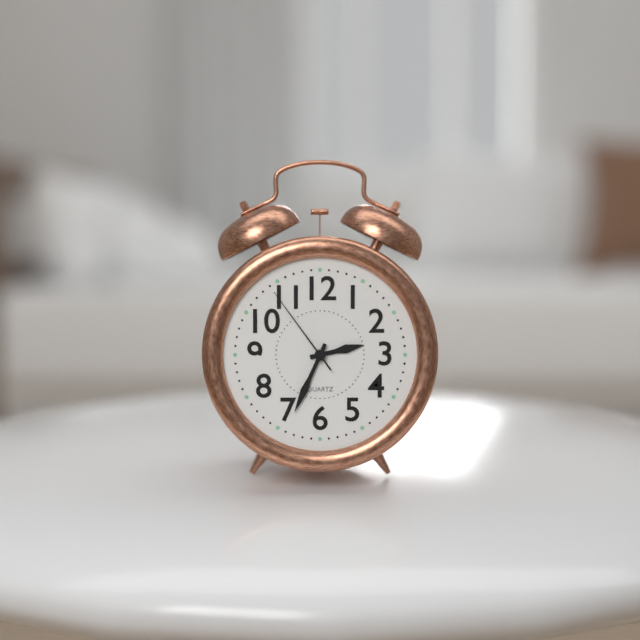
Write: 2,34,54
